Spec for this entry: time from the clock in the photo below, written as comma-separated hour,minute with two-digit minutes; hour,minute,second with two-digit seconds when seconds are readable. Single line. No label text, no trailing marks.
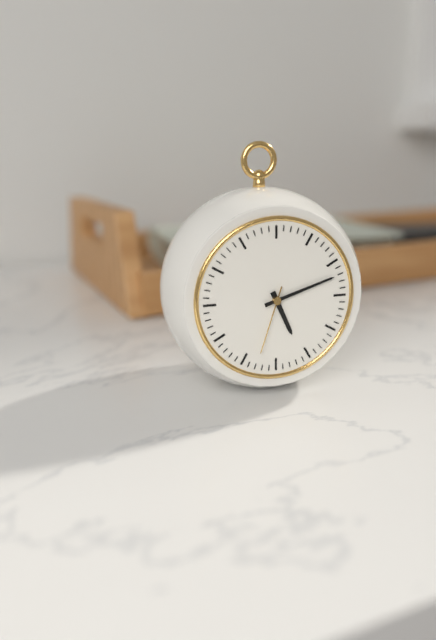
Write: 5,12,33
